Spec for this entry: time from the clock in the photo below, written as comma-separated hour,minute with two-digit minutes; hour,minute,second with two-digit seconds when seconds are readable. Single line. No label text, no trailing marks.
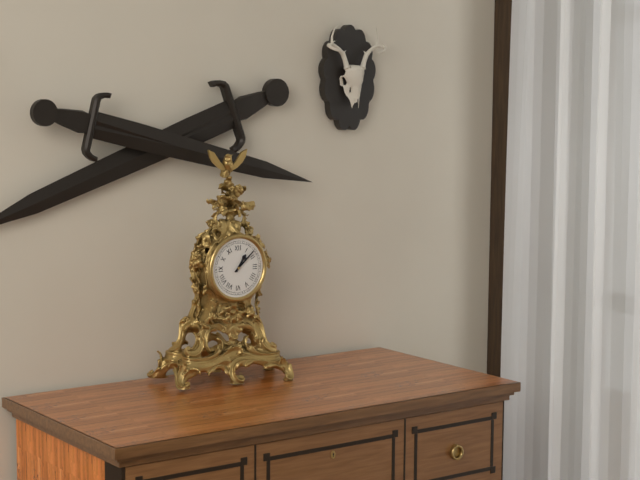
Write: 1,08
